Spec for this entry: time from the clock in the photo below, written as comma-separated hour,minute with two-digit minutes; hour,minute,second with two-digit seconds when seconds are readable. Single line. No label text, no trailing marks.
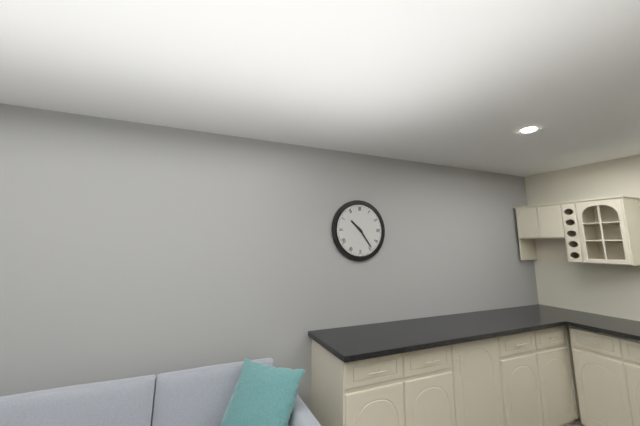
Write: 10,24
